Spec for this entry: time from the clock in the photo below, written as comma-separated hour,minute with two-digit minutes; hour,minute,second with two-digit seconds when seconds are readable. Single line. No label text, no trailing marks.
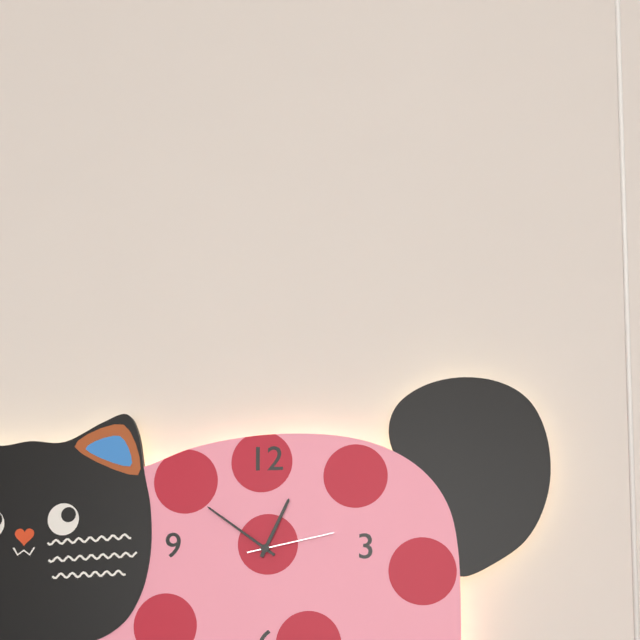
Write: 12,51,13
